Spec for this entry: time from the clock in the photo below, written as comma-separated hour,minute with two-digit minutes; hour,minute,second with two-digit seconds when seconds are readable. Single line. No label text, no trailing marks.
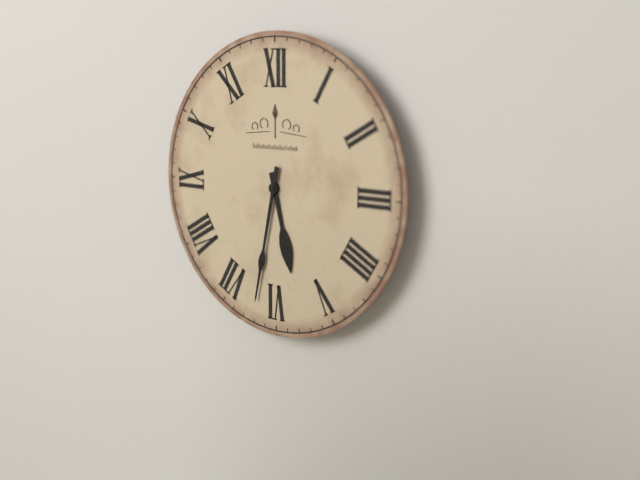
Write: 5,32
